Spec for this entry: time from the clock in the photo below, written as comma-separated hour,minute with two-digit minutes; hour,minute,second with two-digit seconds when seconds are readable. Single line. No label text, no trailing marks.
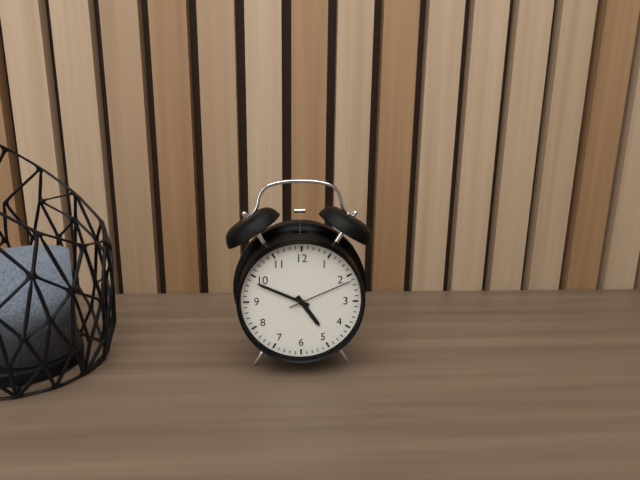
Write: 4,49,11
